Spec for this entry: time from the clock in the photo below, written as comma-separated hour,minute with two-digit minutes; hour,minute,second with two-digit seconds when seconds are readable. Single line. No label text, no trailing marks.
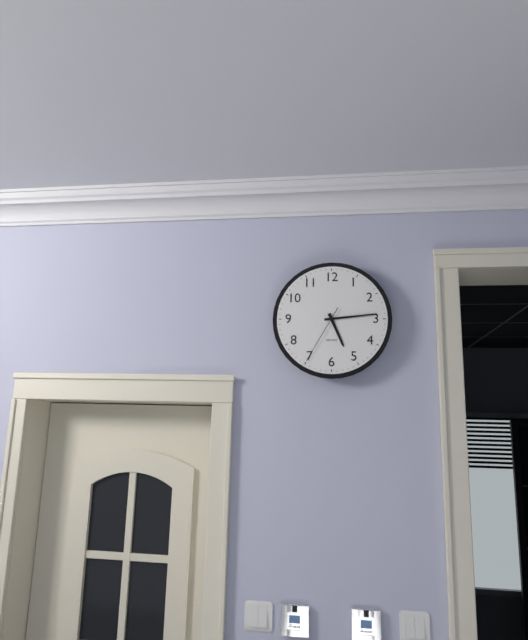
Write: 5,14,35
